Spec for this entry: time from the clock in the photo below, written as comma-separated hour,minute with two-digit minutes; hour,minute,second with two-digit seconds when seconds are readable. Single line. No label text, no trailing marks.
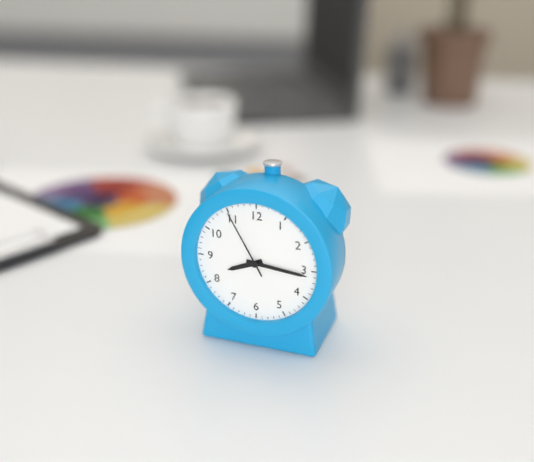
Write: 8,16,55
